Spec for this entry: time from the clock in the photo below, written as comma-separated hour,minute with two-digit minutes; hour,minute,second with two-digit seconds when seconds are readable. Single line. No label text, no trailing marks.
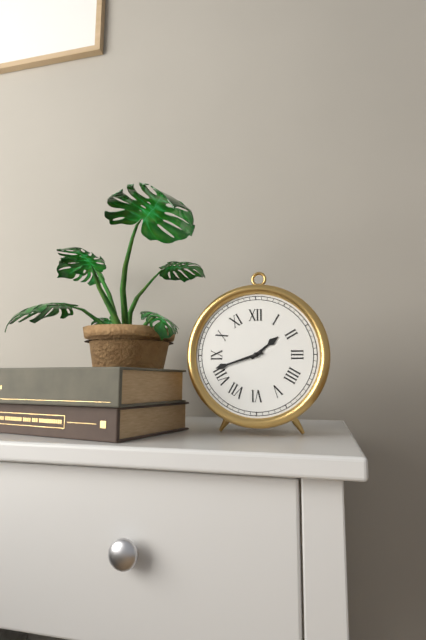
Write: 1,42
